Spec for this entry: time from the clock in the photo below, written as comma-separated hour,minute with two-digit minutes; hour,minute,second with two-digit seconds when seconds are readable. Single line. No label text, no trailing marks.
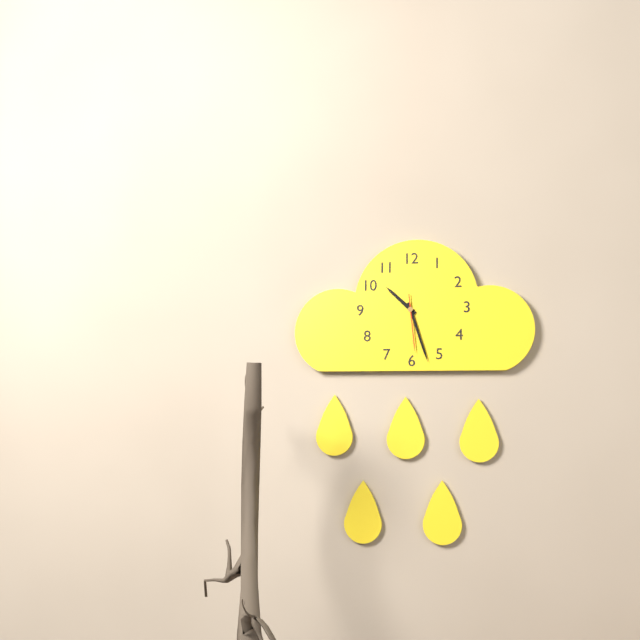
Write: 10,27,29
